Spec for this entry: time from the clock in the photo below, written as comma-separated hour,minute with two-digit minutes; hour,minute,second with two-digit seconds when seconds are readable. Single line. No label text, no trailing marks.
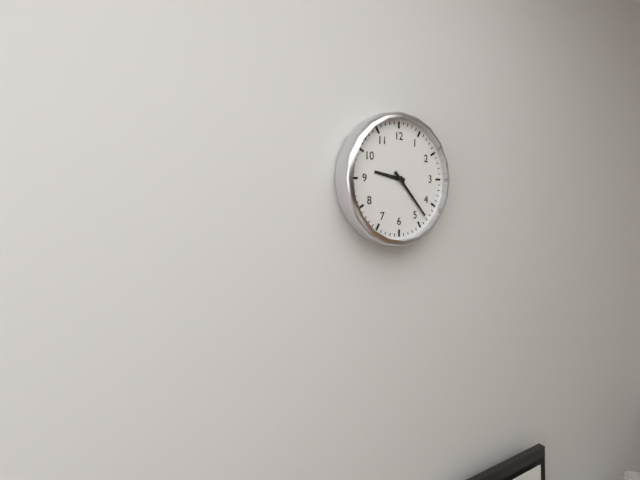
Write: 9,23
